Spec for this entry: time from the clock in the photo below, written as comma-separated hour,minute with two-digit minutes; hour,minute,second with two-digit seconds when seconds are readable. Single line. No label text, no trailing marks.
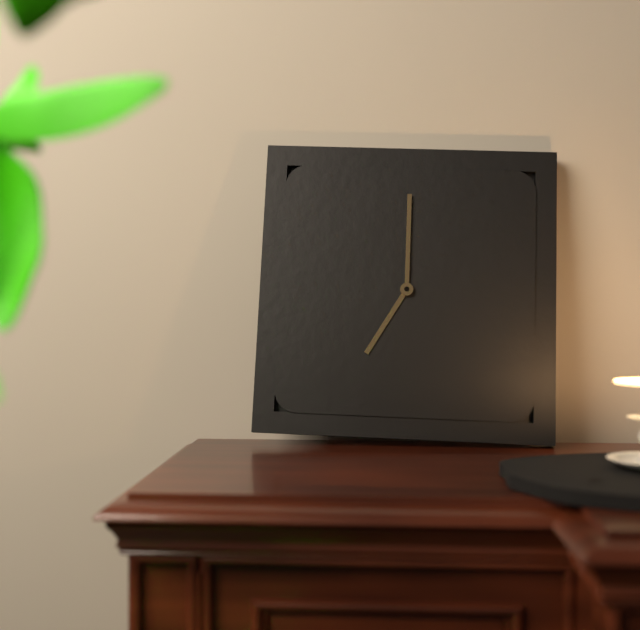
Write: 7,00
